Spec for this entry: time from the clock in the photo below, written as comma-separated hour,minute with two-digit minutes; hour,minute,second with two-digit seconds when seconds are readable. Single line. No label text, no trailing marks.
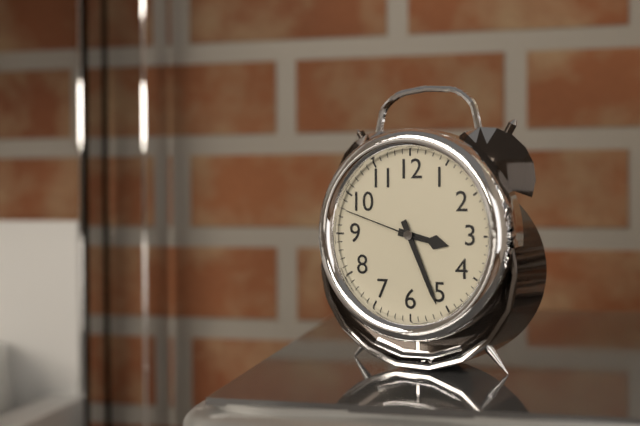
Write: 3,26,48
